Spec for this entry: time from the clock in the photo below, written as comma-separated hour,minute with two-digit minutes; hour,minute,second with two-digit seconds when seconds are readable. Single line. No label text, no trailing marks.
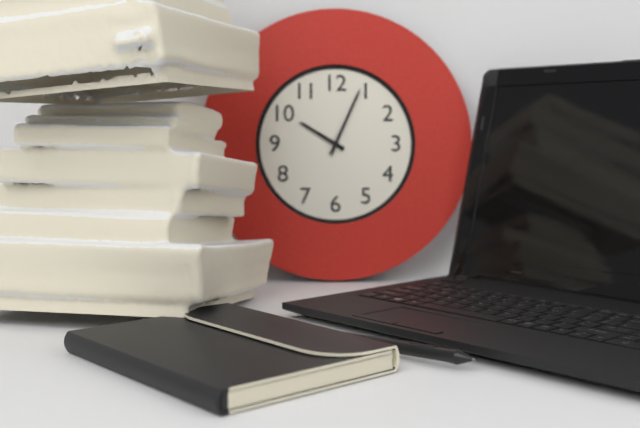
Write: 10,04
